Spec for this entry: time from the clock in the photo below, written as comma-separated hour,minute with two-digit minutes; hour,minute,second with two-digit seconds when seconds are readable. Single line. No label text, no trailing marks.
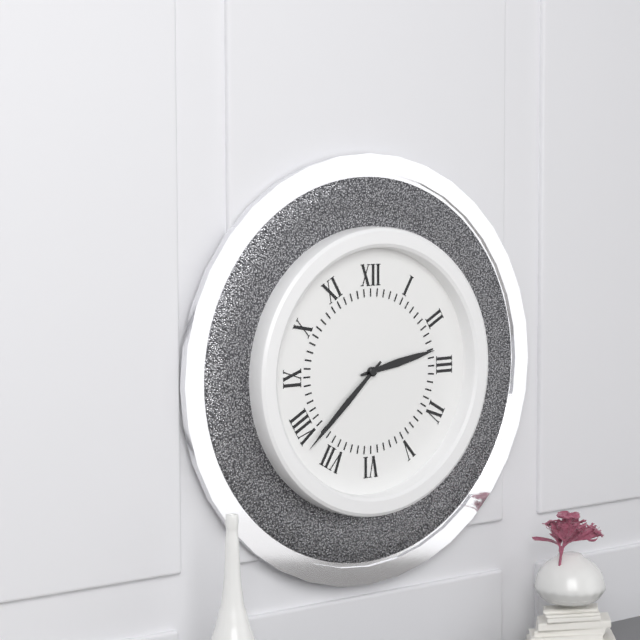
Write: 2,38
